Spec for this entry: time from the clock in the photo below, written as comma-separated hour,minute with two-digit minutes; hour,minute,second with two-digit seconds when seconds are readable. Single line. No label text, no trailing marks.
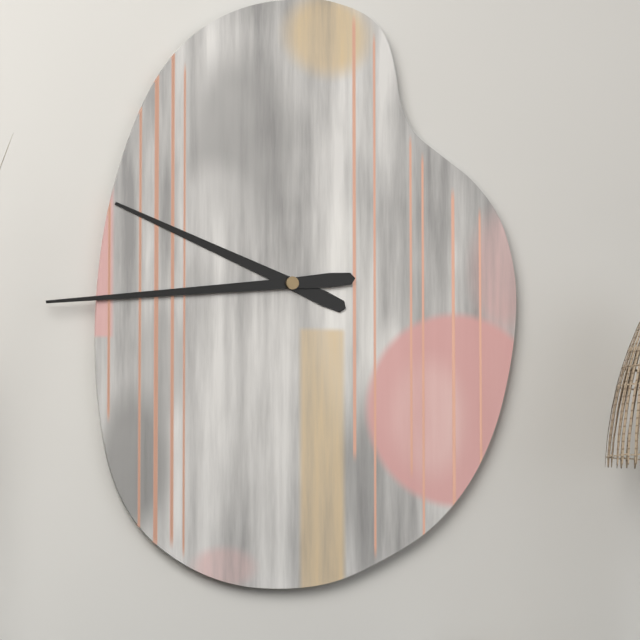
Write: 9,44
